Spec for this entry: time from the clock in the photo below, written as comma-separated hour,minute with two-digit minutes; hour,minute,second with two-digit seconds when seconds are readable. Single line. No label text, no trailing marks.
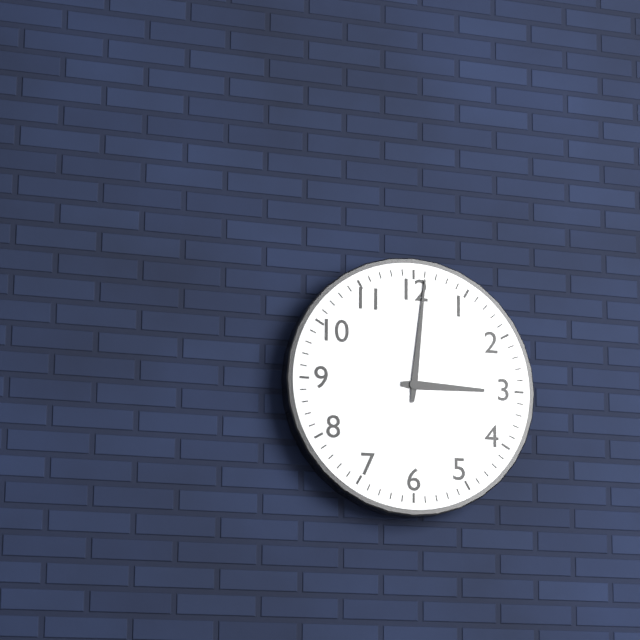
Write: 3,01
